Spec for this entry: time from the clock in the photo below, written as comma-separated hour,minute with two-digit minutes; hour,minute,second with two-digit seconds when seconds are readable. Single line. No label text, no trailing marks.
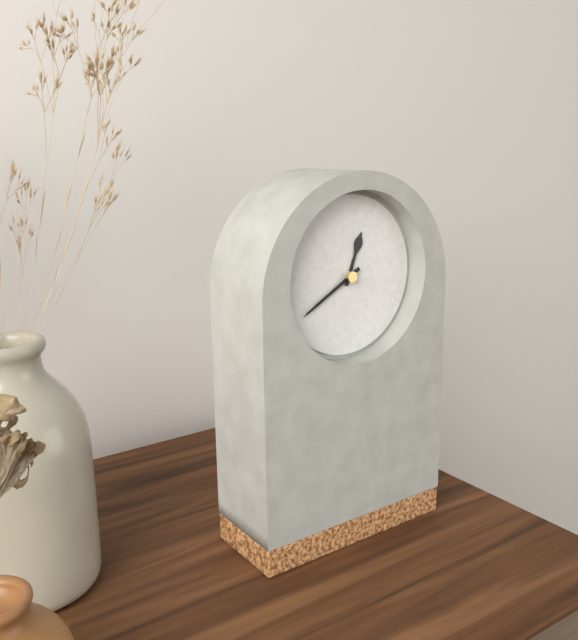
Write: 12,40
